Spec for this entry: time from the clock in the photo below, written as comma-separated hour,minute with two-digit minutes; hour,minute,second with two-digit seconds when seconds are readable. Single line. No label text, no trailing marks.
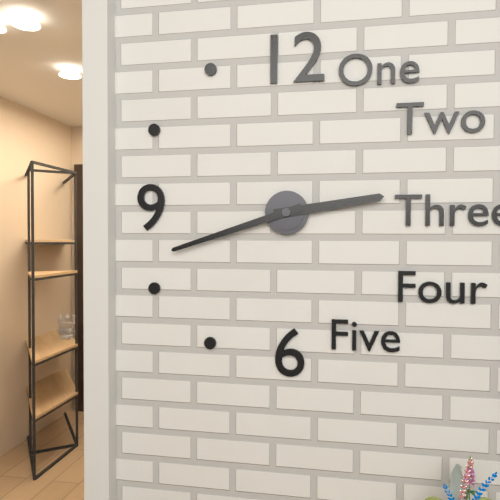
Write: 2,42
